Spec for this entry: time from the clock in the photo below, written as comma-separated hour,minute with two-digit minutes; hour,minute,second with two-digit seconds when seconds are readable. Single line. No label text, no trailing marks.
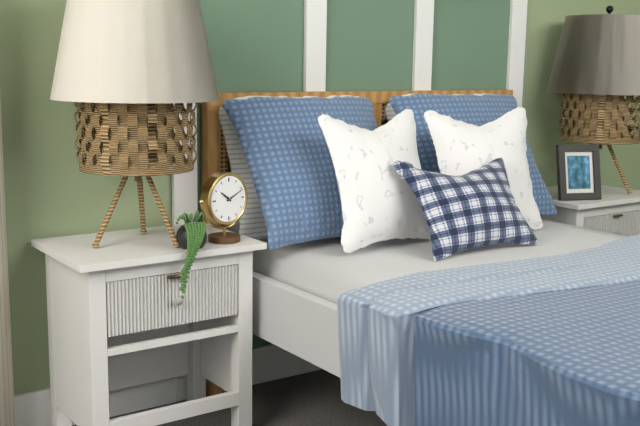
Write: 10,11
